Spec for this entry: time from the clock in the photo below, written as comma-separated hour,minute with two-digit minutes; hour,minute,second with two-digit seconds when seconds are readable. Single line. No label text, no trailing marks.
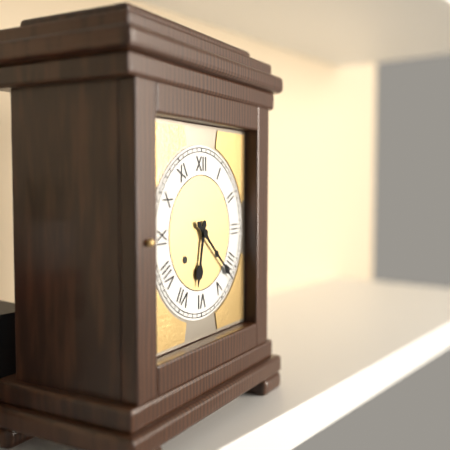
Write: 6,22
